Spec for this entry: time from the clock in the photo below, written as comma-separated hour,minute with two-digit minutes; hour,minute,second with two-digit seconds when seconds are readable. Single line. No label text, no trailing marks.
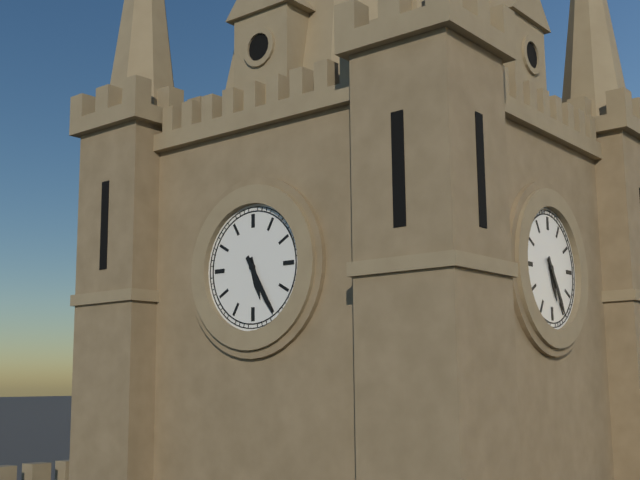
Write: 5,25
